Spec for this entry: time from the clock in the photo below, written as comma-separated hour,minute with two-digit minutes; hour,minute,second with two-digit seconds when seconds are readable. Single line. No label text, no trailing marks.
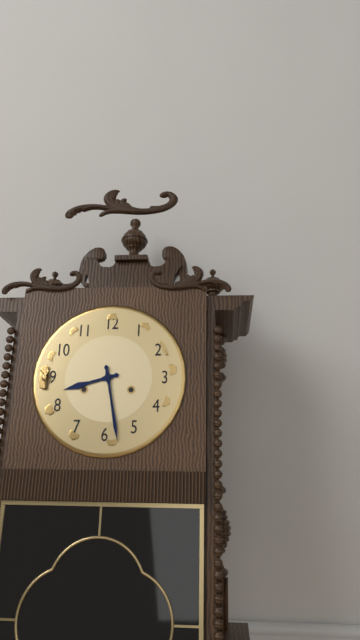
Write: 8,28
